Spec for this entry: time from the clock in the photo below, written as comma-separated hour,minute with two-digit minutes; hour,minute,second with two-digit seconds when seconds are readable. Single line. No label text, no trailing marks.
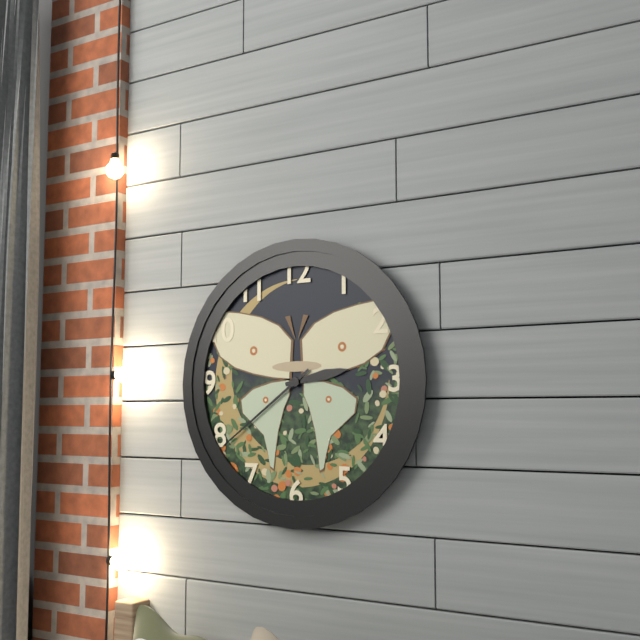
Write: 2,39
